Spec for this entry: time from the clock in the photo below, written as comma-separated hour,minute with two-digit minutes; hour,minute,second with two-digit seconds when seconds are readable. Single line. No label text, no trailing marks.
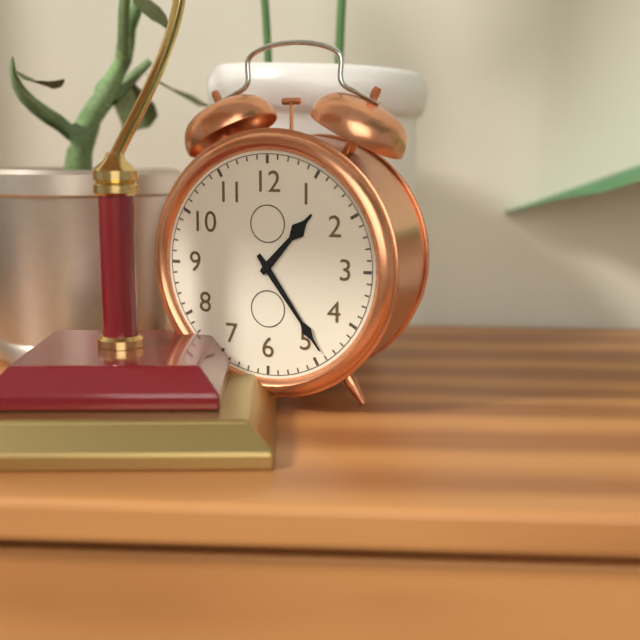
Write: 1,24
